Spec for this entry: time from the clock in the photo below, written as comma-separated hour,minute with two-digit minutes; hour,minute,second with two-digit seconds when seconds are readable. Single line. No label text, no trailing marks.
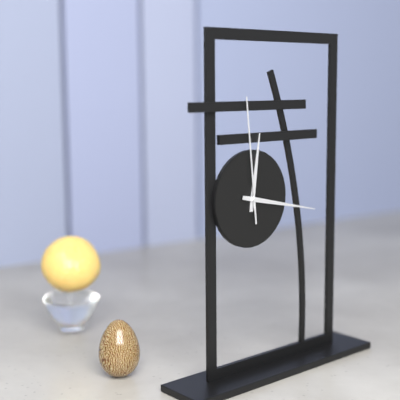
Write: 12,17,59
